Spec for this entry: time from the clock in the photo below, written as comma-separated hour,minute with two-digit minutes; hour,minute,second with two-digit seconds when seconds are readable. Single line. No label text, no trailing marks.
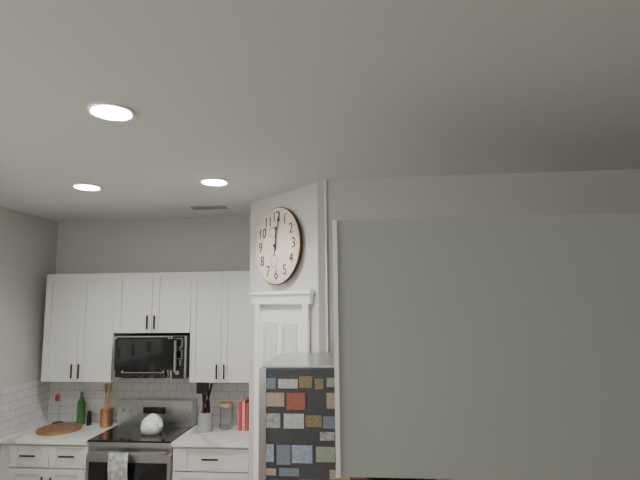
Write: 12,02
